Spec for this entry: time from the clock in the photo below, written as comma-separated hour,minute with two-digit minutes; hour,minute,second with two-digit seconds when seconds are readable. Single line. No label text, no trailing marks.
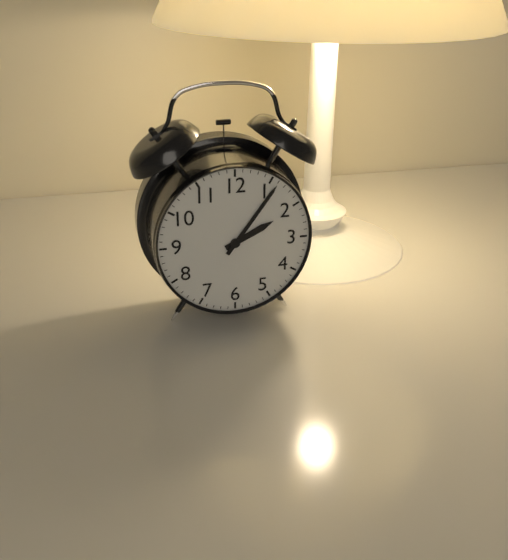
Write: 2,06
